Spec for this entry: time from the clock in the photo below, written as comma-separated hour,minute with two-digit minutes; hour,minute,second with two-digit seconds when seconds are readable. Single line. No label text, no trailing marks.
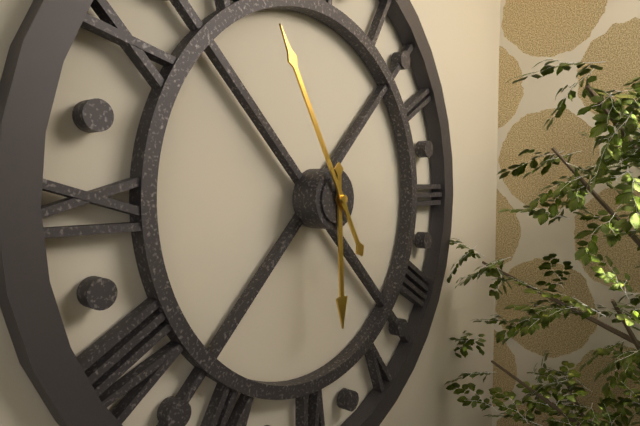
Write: 5,55
